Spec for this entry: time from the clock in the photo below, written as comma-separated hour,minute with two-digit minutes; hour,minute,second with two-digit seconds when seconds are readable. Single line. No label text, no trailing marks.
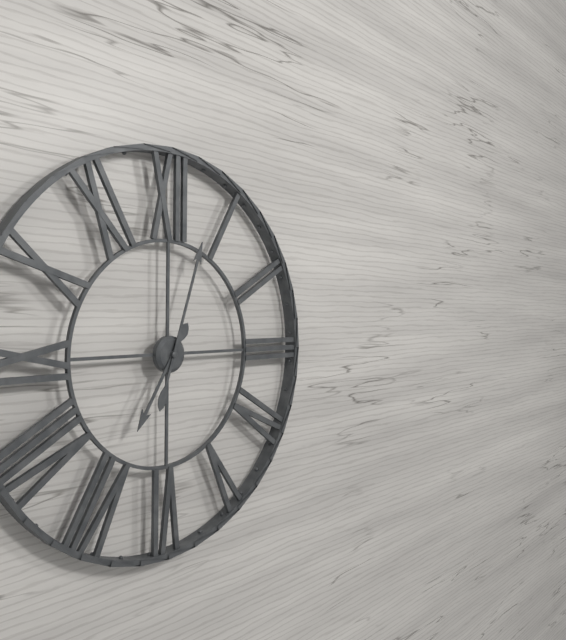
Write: 7,03
